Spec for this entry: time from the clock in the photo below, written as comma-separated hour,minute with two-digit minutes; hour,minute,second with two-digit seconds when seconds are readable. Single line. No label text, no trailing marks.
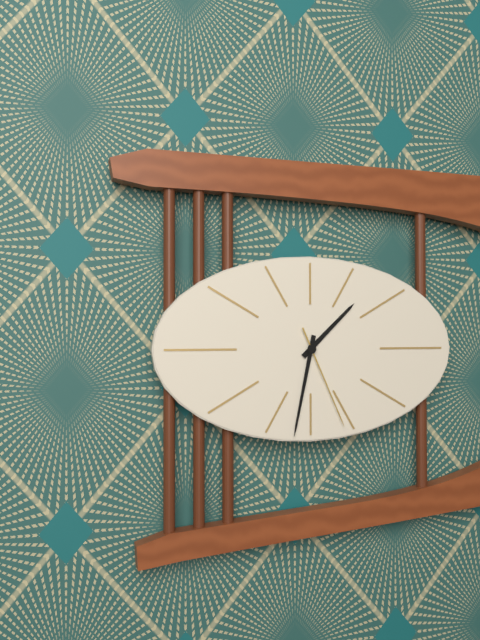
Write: 1,32,26
